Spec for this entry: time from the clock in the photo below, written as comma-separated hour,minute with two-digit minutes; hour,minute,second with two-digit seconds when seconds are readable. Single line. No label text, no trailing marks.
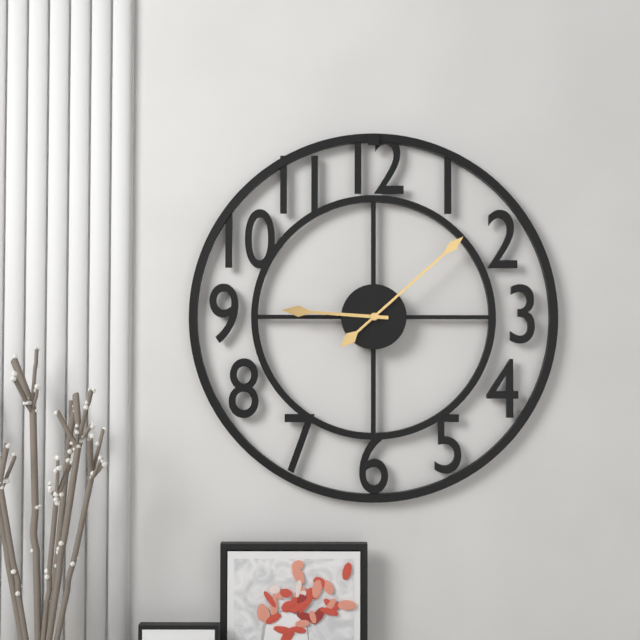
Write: 9,08
